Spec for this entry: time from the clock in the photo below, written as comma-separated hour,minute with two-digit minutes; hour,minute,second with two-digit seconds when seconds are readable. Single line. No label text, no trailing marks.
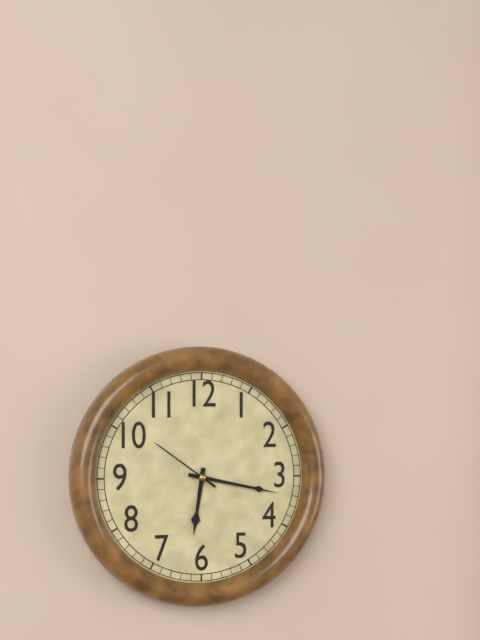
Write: 6,17,51
